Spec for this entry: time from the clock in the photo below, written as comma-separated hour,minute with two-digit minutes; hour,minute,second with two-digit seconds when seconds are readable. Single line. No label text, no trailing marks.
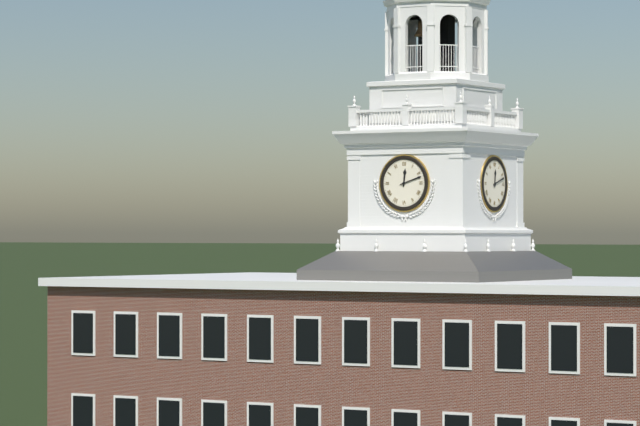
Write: 12,12
